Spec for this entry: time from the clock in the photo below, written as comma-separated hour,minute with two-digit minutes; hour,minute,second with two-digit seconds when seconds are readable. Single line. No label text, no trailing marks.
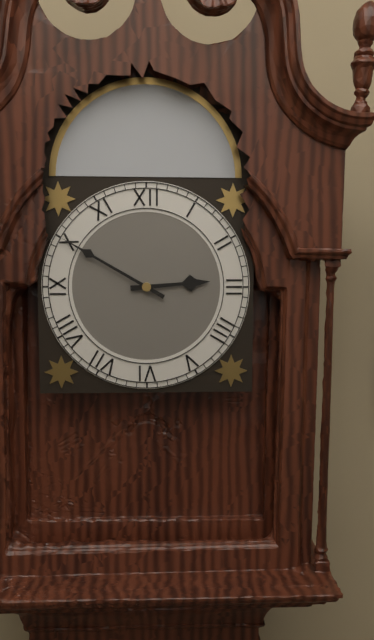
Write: 2,50
